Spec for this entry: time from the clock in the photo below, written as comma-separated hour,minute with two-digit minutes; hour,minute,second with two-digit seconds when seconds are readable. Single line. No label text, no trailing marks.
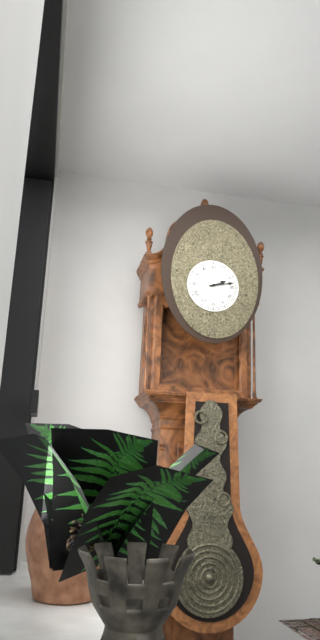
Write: 2,13
